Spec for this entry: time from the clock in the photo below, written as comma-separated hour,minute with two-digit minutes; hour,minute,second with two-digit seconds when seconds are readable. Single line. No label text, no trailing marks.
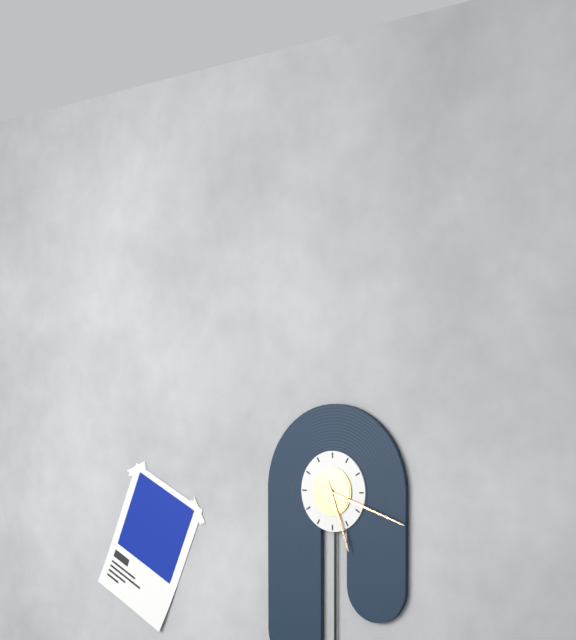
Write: 5,18
